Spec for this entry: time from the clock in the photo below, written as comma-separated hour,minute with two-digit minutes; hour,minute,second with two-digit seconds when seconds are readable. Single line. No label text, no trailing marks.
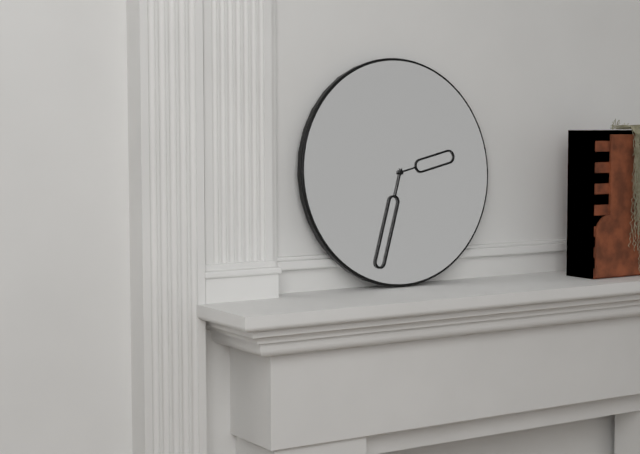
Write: 2,33
